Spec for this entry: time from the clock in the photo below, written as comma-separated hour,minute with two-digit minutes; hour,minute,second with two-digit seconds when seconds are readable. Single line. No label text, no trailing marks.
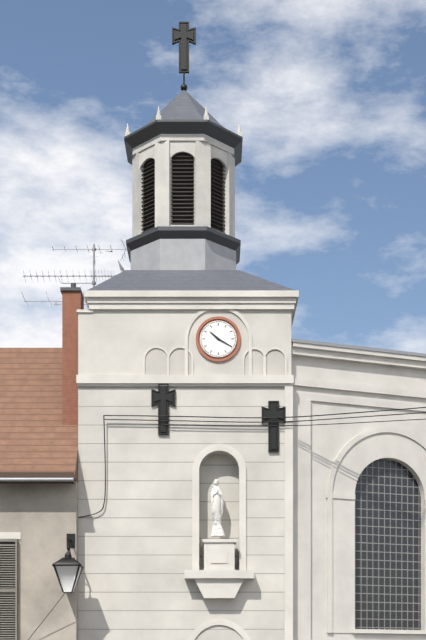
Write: 10,20
